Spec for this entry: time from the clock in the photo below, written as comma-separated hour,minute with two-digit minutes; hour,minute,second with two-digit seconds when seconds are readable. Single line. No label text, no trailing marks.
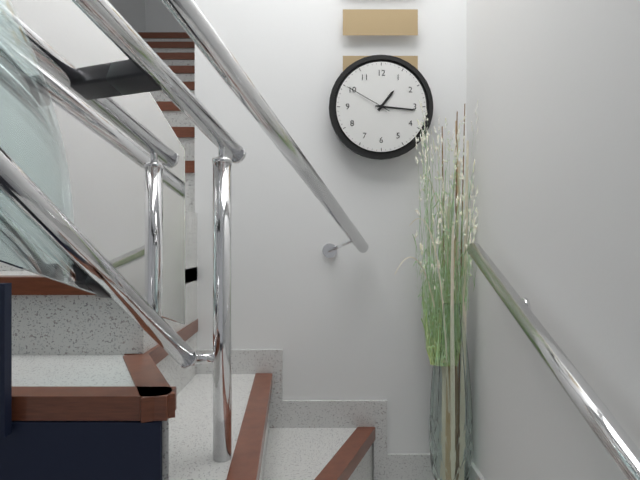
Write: 1,16
